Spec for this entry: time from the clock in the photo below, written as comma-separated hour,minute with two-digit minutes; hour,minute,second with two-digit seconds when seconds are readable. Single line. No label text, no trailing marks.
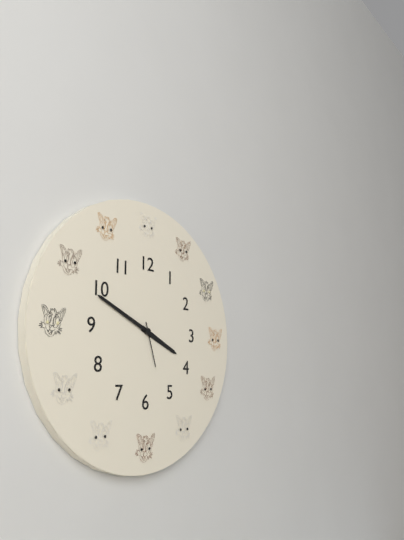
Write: 3,49
